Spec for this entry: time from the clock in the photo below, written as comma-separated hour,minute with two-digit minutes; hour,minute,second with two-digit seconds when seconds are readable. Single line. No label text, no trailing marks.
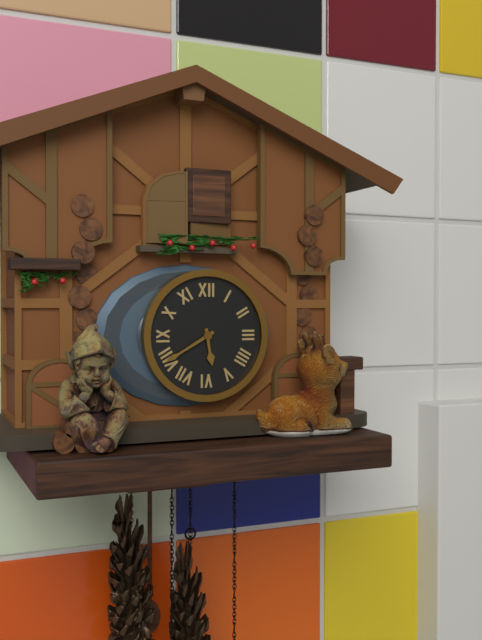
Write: 5,40
